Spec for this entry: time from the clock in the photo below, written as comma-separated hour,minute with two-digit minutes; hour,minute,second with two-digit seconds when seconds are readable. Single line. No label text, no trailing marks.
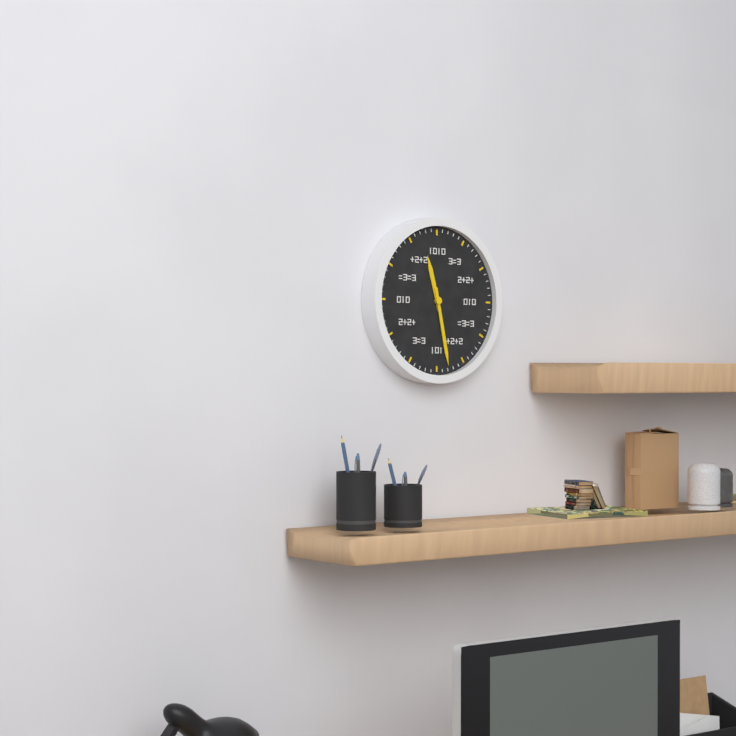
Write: 11,28
